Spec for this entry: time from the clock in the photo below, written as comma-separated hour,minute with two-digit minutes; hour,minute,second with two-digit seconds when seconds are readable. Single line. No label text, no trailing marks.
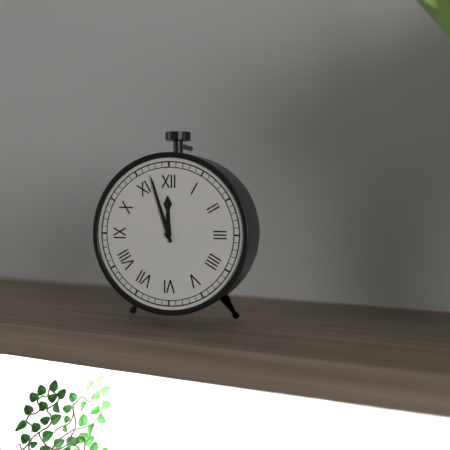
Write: 11,57
